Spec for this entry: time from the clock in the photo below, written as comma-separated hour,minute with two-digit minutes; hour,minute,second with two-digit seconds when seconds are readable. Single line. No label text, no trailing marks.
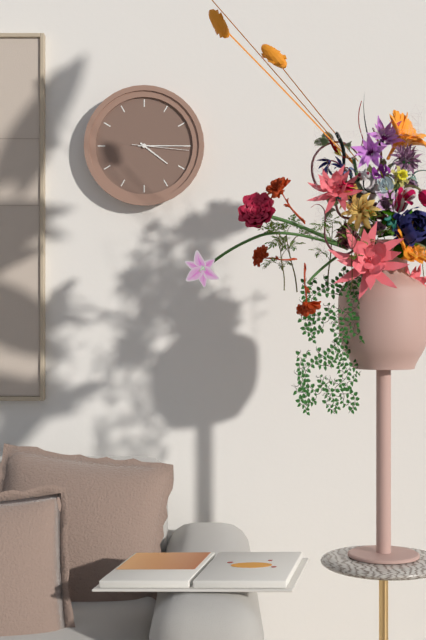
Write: 4,15,16
